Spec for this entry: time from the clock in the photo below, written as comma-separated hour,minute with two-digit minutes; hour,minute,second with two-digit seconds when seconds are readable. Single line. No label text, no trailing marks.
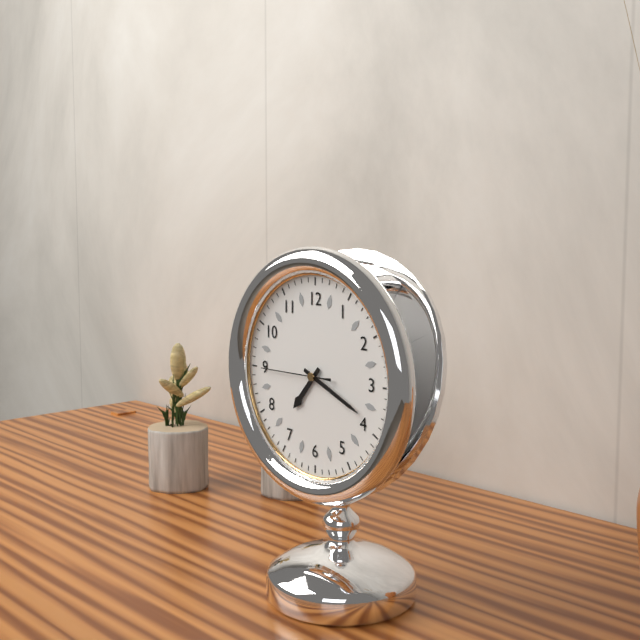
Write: 7,19,45
